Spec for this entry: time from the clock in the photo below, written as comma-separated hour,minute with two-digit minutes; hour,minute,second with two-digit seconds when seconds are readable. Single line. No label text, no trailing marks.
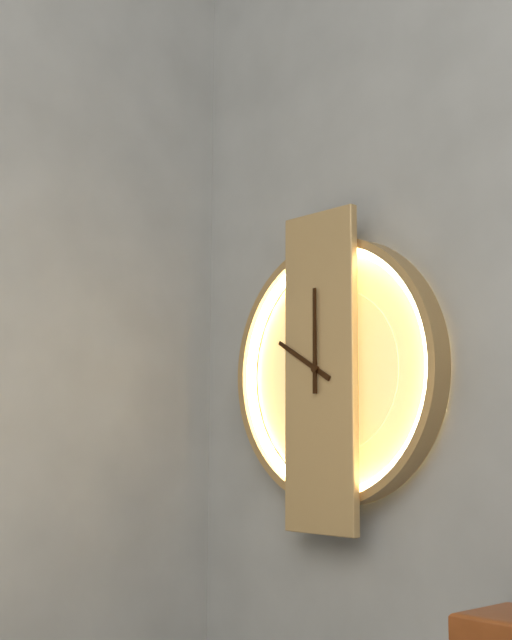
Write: 10,00
